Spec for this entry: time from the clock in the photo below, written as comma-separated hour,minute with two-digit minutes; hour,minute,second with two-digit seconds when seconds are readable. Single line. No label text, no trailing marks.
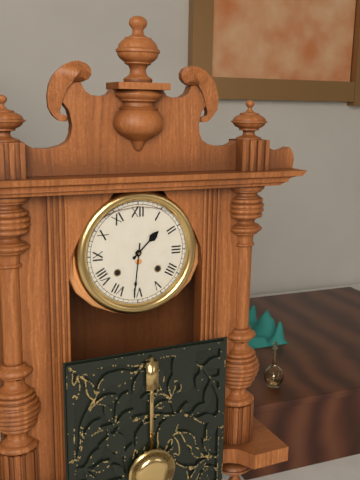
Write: 1,31
